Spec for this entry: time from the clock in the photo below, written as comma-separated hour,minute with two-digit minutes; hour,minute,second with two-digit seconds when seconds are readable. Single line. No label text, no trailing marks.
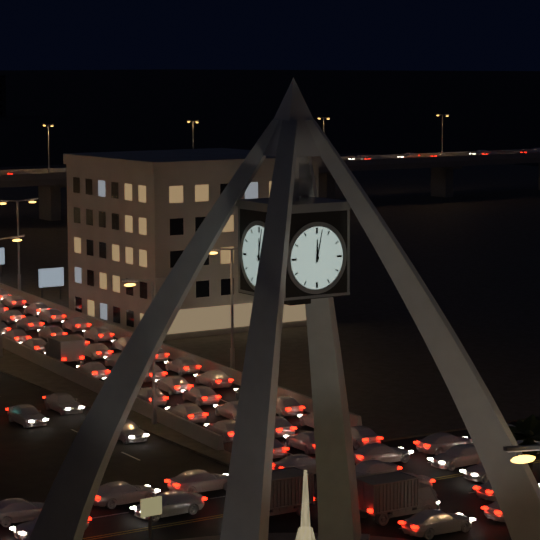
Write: 12,02
